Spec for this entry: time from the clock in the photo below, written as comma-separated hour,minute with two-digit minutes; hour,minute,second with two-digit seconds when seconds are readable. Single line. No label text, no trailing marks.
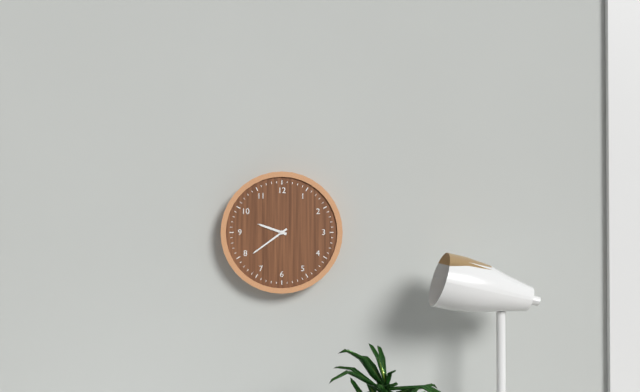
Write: 9,39
